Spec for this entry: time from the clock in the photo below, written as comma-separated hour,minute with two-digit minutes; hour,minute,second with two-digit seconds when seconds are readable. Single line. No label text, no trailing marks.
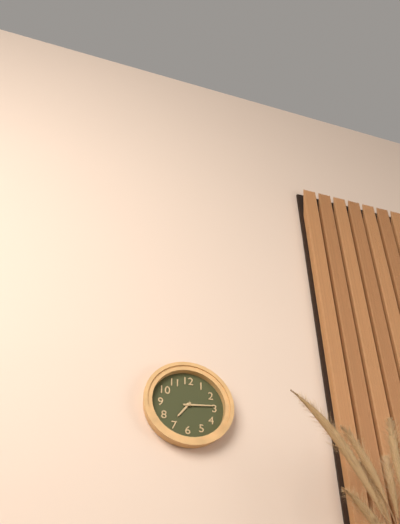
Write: 7,14
